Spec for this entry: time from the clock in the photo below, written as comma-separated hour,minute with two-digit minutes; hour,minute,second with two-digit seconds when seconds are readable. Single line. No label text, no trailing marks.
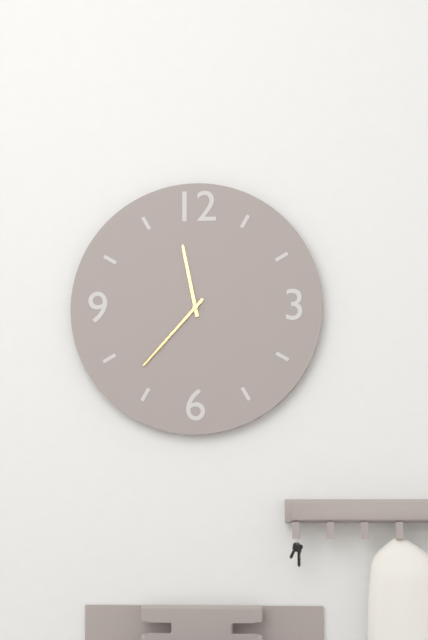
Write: 11,37
